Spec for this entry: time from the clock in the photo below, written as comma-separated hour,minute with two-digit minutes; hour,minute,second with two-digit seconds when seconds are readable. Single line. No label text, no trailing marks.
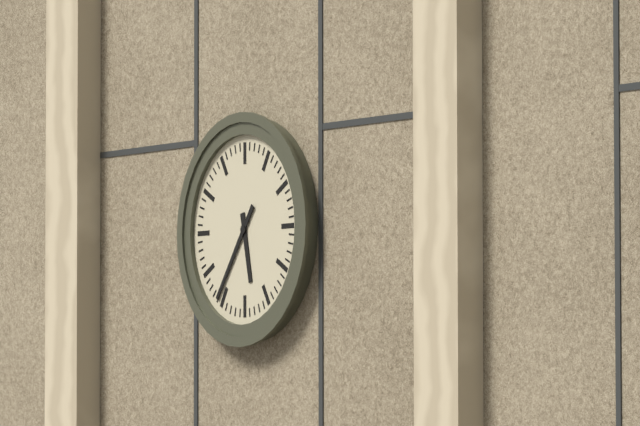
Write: 5,36
